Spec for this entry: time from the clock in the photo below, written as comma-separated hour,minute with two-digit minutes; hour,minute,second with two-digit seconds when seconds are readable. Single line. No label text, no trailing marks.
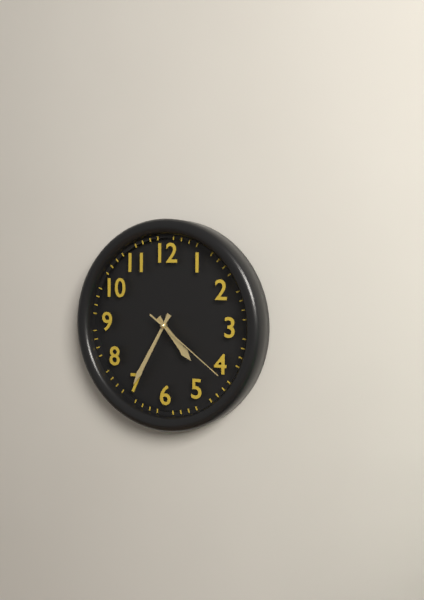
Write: 4,35,21
